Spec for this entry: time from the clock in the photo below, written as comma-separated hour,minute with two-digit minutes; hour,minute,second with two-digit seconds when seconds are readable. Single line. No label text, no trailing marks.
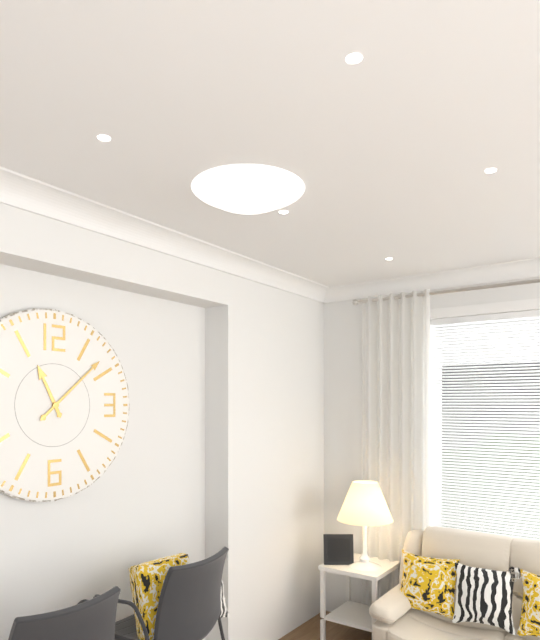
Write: 11,08
